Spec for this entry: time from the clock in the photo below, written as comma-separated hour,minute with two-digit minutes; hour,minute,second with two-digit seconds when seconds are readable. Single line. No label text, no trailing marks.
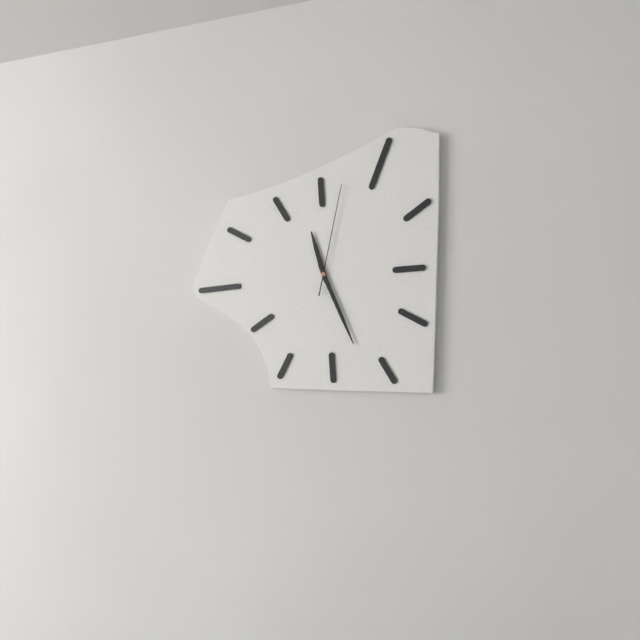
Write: 11,26,02
